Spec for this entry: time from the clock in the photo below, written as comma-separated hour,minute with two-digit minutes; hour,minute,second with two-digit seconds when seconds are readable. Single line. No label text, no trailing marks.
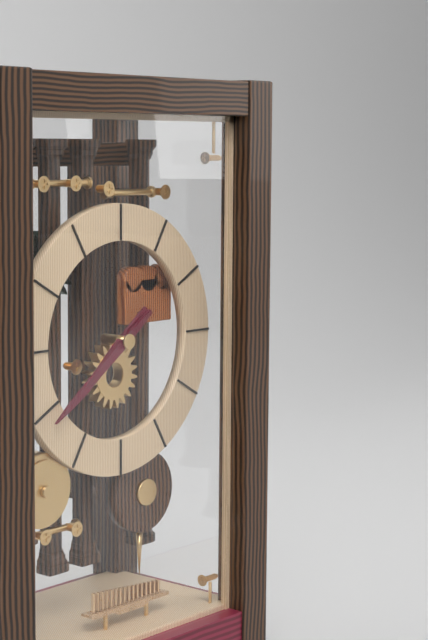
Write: 7,39
